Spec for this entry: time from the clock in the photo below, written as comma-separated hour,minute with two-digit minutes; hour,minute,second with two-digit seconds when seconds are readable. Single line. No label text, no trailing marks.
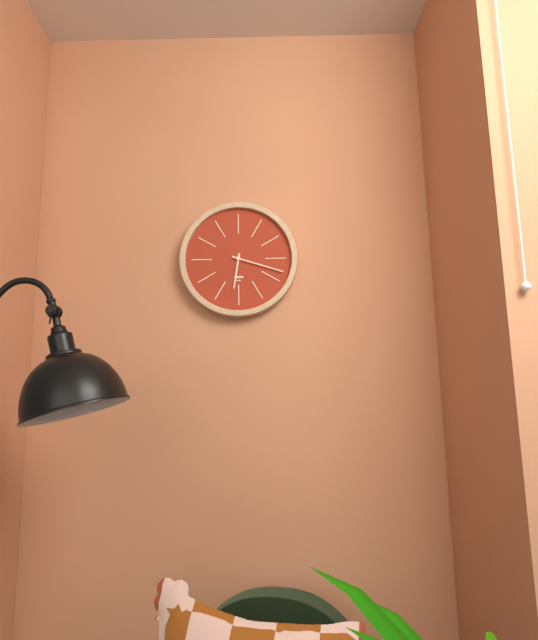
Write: 6,18
